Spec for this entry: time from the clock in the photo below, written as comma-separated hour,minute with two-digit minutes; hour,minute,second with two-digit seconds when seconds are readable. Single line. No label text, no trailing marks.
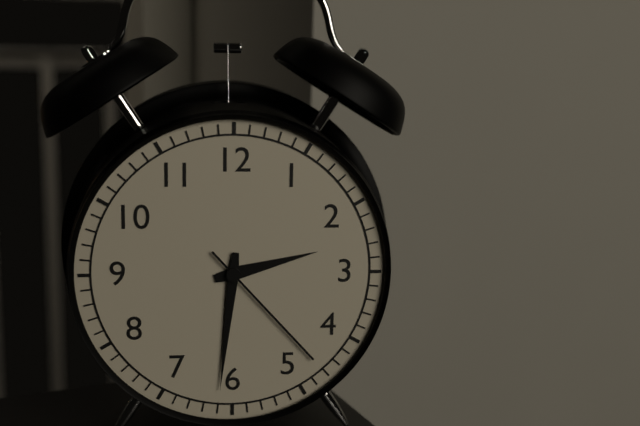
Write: 2,31,23
